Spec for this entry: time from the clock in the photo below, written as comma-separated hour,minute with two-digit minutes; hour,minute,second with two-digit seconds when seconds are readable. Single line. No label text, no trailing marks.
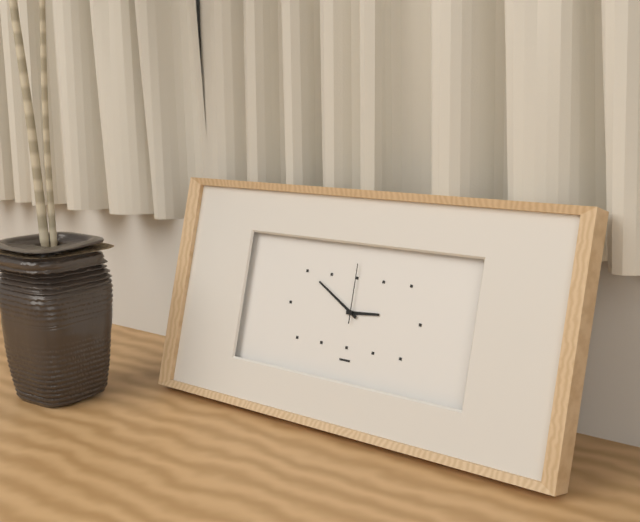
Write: 2,50,00
